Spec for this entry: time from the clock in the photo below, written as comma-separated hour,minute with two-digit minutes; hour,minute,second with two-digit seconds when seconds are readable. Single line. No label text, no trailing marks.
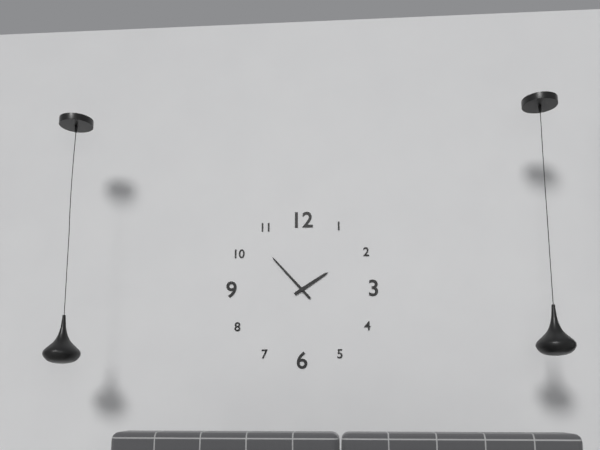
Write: 1,53
